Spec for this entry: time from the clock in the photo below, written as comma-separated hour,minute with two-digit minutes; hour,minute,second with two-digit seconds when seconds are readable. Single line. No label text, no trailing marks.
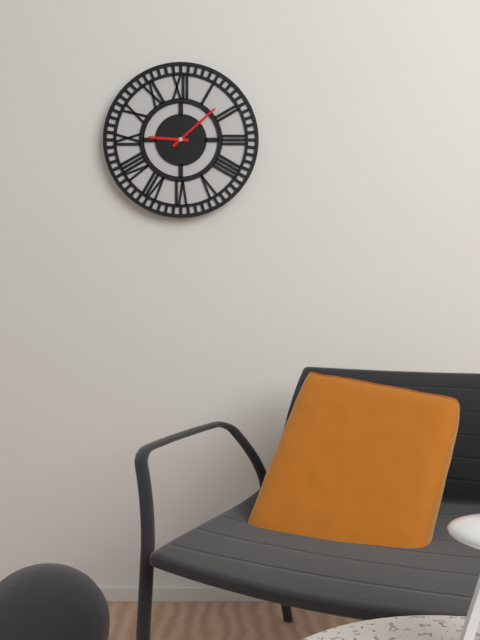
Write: 9,08
